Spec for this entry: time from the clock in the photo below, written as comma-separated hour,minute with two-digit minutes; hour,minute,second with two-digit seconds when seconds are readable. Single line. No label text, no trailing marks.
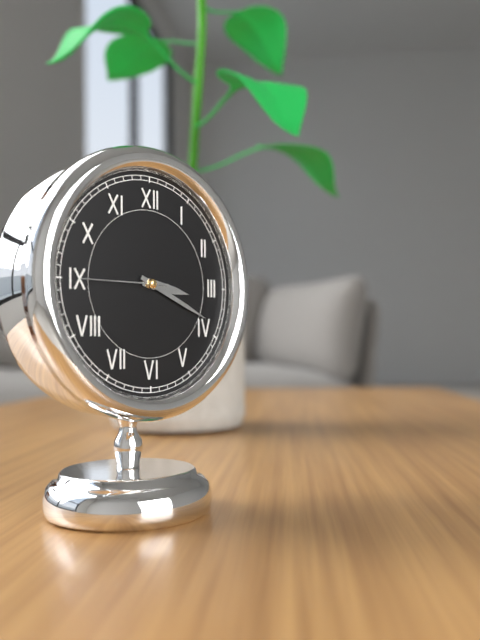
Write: 3,19,45
